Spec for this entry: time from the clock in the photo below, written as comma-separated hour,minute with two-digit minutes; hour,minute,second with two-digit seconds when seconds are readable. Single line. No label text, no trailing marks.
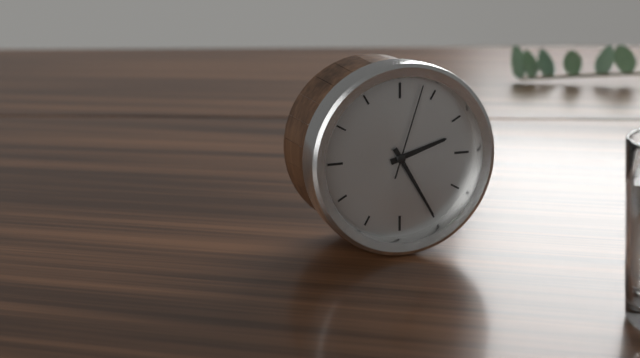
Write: 2,25,03
